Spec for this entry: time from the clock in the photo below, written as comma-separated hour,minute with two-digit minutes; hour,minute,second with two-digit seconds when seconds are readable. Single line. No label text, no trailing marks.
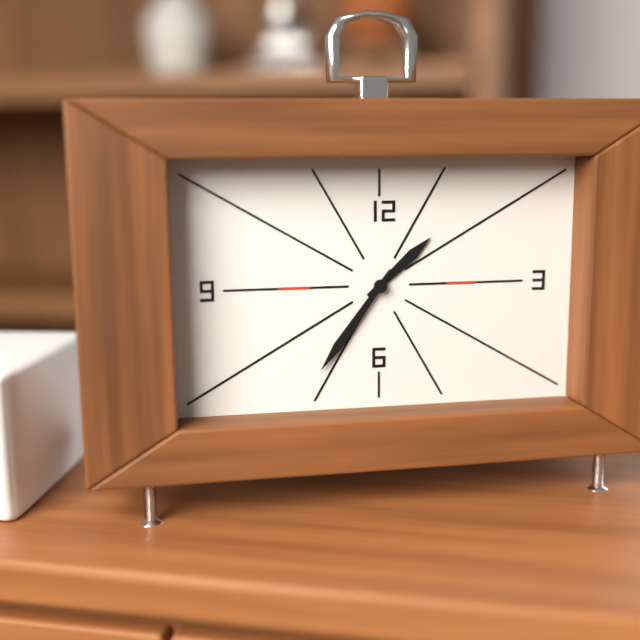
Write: 1,36
